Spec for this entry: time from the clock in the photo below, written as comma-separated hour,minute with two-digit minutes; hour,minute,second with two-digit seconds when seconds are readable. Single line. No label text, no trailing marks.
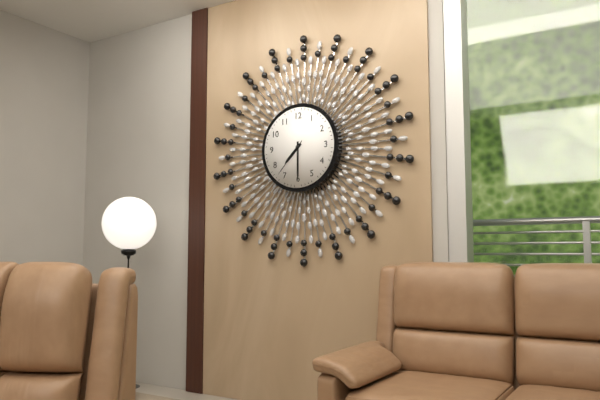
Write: 7,30
